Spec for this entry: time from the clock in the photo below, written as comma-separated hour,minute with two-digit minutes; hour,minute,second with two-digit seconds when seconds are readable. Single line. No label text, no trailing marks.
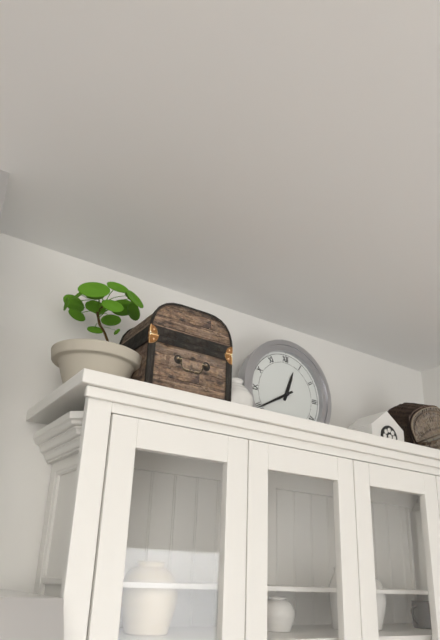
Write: 12,40
